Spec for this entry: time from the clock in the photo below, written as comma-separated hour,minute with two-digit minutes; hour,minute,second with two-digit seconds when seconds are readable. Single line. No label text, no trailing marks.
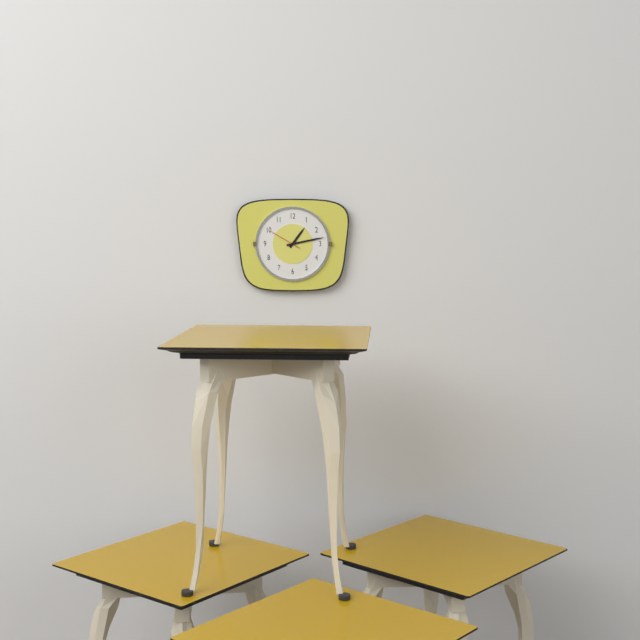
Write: 1,13
